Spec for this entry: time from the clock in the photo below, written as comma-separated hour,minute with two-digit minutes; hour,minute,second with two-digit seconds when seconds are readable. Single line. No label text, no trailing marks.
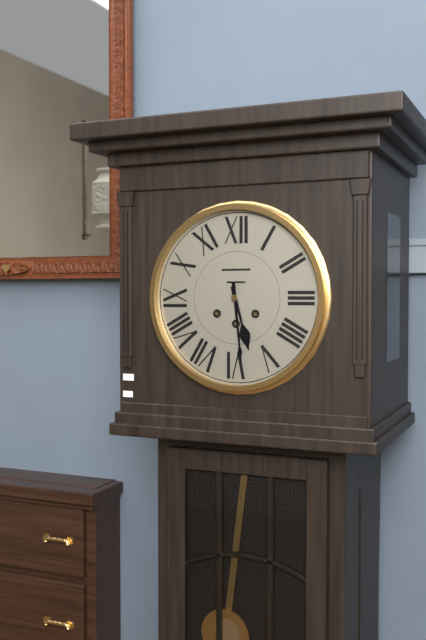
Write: 5,29
